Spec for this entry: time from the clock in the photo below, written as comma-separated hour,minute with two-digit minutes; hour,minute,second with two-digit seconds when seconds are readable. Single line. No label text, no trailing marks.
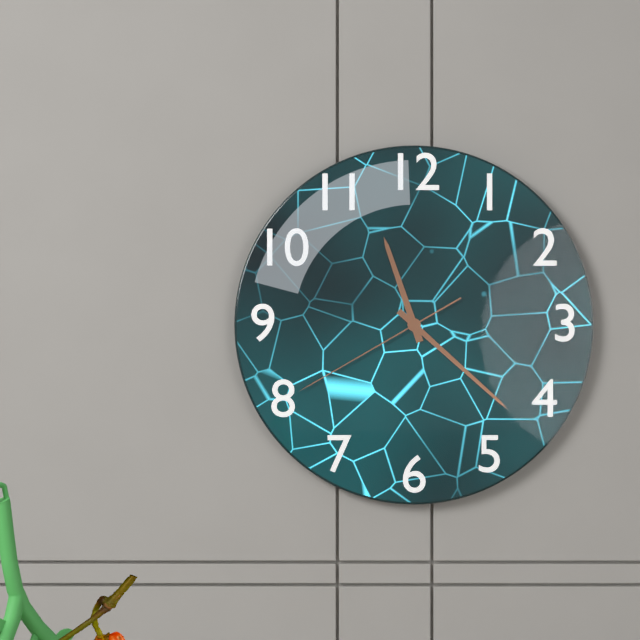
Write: 11,22,40
